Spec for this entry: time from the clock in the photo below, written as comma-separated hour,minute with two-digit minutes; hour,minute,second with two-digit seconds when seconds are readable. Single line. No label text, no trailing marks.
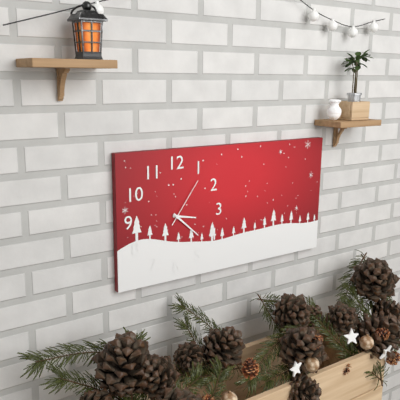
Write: 3,22,06
